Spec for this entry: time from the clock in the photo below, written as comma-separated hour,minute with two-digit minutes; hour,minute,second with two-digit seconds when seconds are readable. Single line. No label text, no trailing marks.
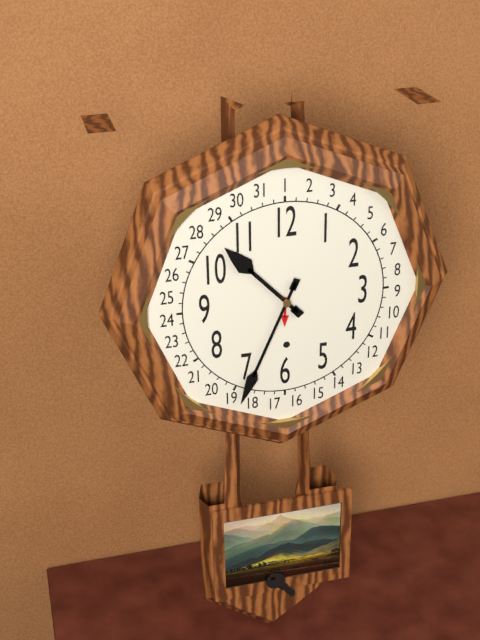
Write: 10,34
